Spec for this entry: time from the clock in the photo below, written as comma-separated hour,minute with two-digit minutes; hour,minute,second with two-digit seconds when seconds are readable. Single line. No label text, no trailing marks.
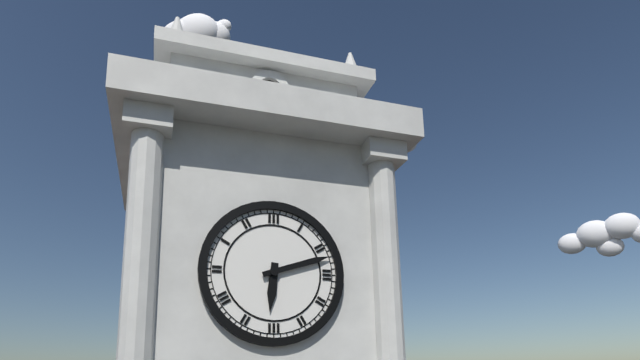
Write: 6,12
